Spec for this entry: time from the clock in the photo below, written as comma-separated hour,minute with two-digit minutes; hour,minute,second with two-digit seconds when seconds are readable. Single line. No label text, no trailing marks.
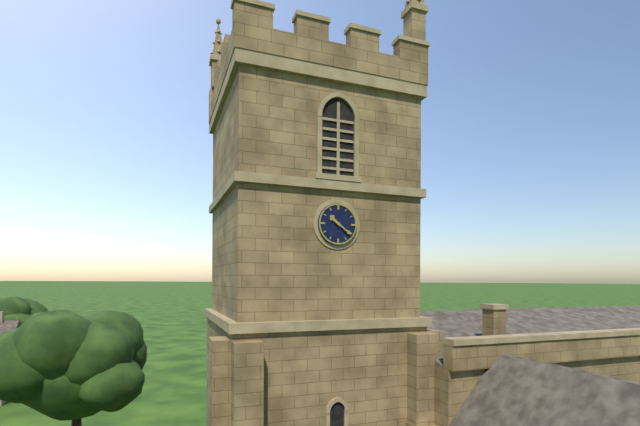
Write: 10,21
